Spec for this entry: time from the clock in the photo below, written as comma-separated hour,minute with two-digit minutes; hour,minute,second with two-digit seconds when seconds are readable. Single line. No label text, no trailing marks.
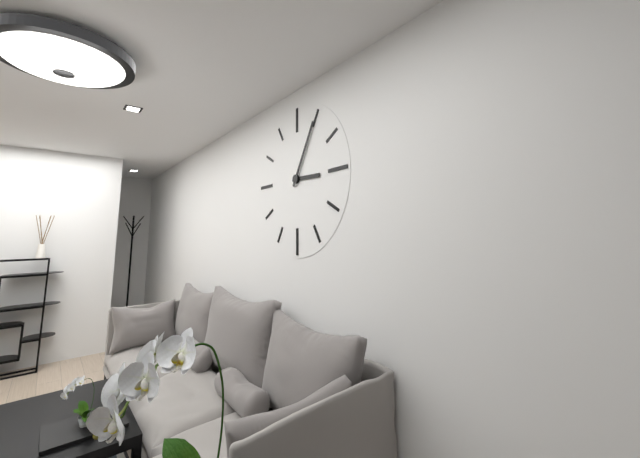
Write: 3,05
